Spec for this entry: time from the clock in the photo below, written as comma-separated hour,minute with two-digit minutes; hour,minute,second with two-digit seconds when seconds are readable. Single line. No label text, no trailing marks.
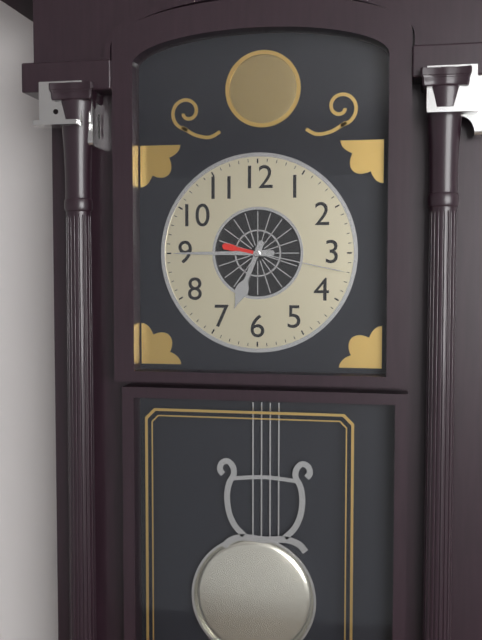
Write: 6,45,17
